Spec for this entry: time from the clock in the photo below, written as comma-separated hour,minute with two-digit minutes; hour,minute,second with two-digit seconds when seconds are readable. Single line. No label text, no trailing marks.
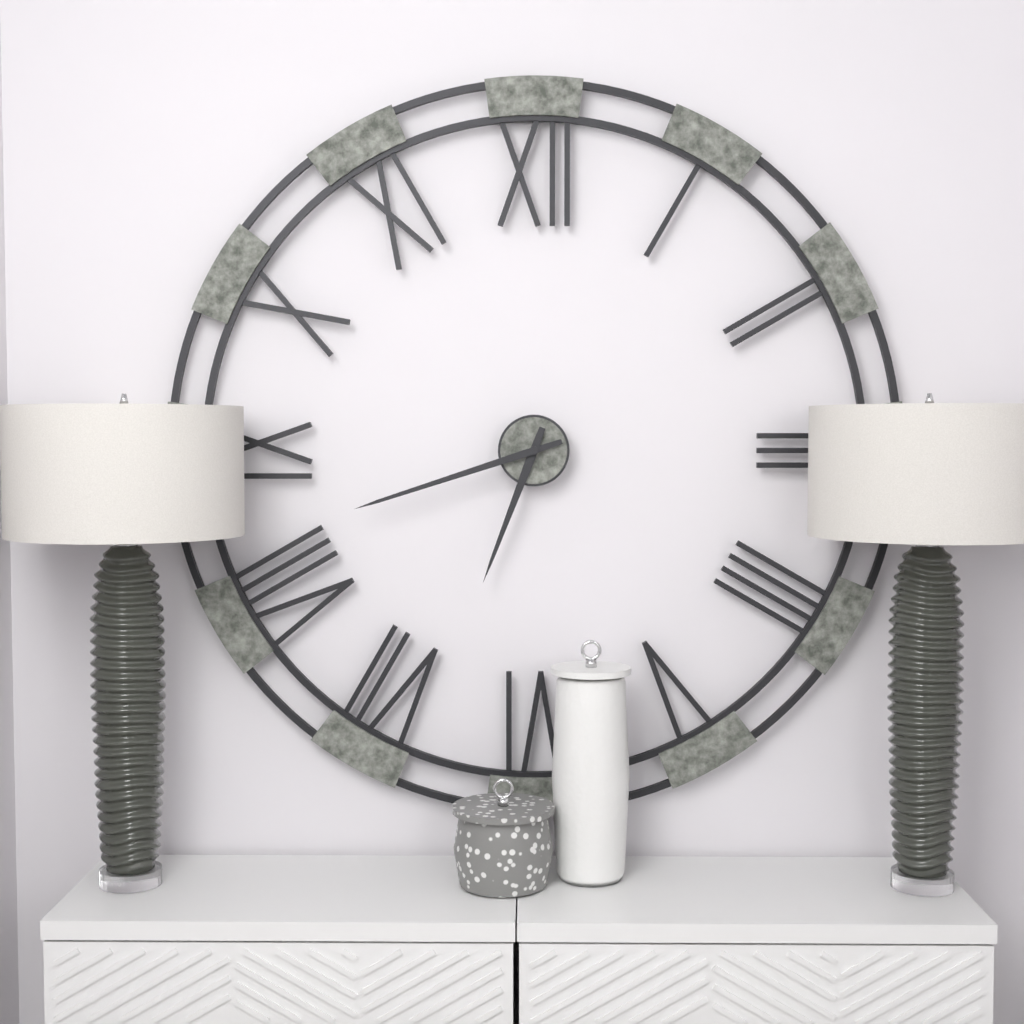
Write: 6,42
